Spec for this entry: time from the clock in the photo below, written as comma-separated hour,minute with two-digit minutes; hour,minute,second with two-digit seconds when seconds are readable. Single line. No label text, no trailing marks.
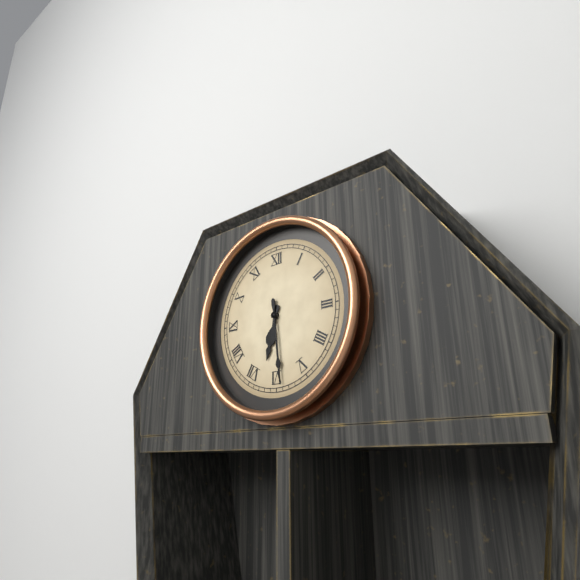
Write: 6,29
